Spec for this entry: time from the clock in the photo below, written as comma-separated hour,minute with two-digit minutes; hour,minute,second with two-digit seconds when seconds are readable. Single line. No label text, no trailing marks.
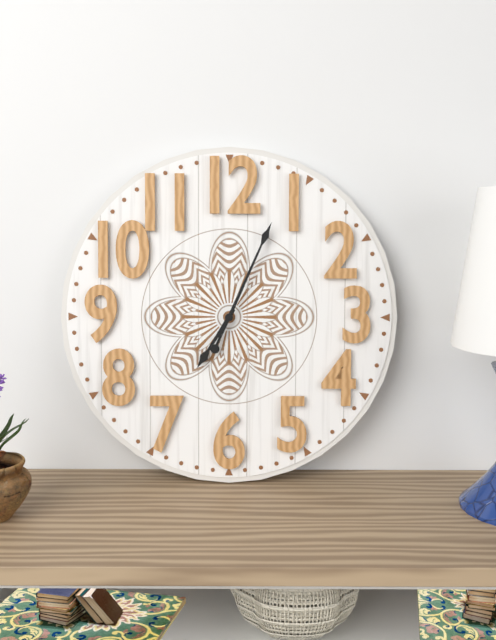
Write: 7,04
